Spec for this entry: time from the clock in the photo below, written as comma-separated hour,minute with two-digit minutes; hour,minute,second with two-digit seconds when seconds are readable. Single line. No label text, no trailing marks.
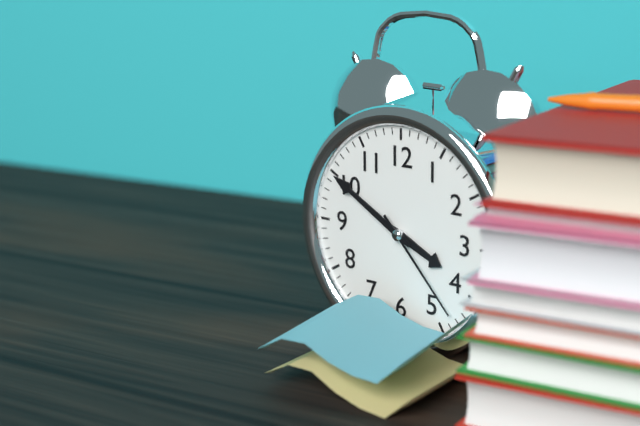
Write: 3,50,23
